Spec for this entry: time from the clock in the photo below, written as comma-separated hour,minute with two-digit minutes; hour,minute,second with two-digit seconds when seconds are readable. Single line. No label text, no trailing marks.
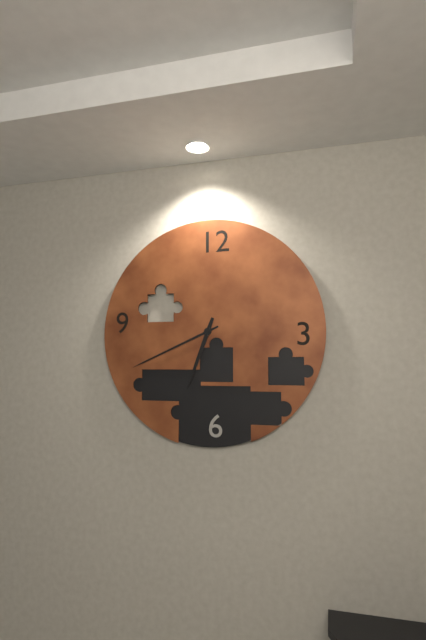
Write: 6,41
